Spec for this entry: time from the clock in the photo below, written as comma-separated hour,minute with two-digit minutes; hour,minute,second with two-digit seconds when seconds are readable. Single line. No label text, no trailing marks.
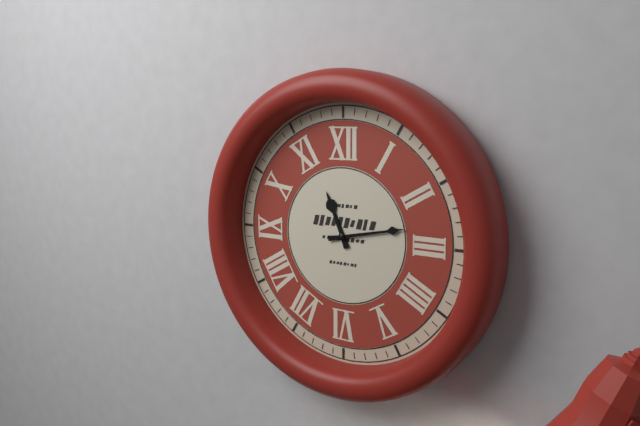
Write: 11,13
